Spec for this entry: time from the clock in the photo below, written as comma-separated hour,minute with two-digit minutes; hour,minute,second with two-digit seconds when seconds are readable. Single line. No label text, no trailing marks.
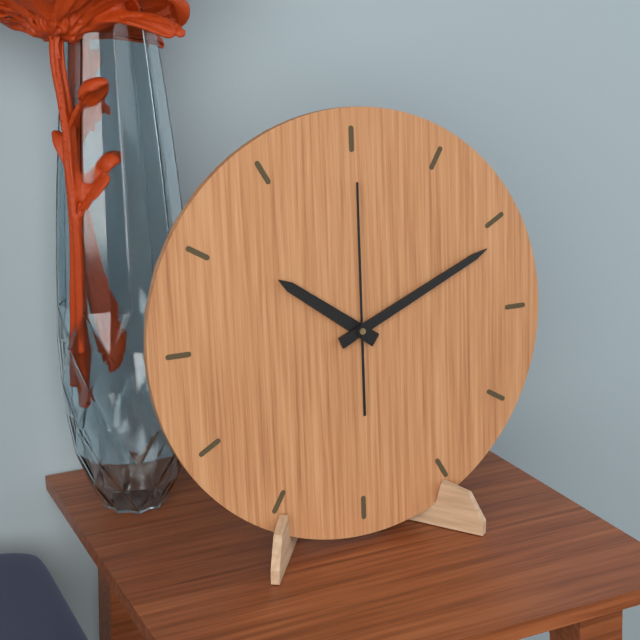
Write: 10,11,00
